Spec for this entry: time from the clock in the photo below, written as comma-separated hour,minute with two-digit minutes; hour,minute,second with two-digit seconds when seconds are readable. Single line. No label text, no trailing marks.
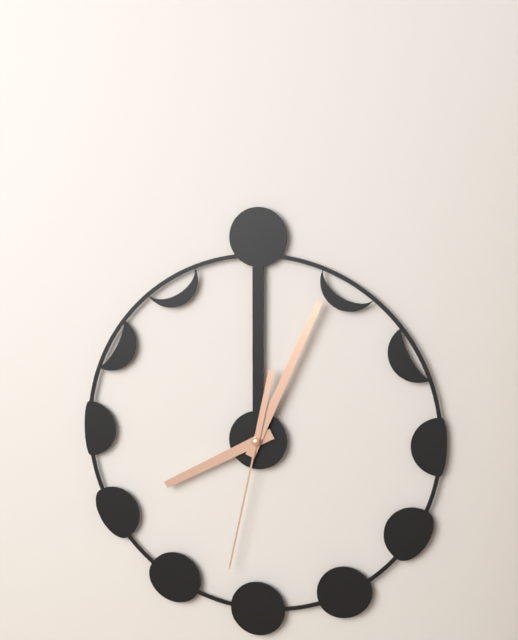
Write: 8,04,32
